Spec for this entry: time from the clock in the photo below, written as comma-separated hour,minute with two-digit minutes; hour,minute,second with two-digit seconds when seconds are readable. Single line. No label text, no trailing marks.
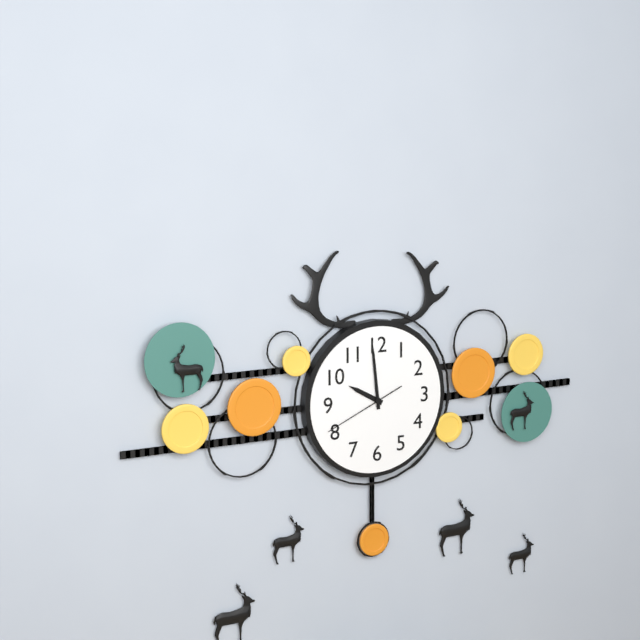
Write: 9,59,41
